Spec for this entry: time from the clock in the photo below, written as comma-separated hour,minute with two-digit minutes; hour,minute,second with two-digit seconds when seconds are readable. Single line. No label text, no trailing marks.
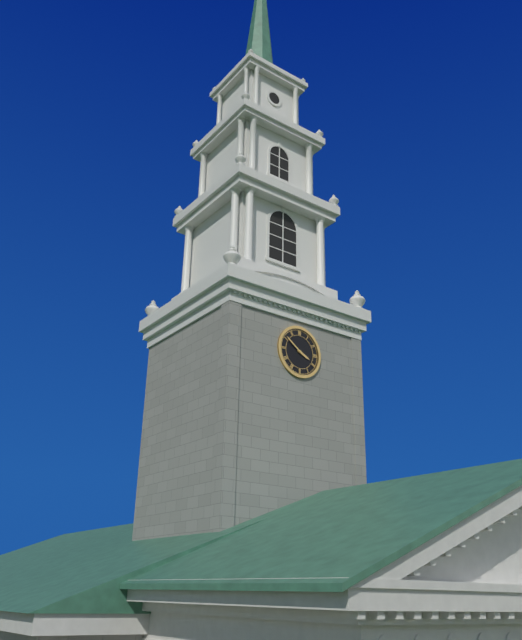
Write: 3,51
